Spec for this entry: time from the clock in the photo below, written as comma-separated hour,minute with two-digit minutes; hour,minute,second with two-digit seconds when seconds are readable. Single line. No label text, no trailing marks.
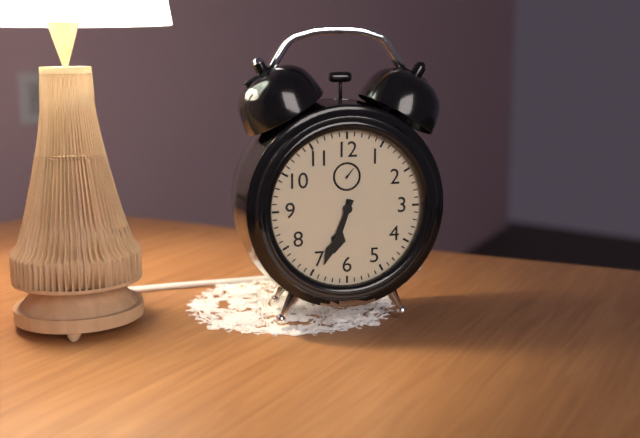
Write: 6,34
